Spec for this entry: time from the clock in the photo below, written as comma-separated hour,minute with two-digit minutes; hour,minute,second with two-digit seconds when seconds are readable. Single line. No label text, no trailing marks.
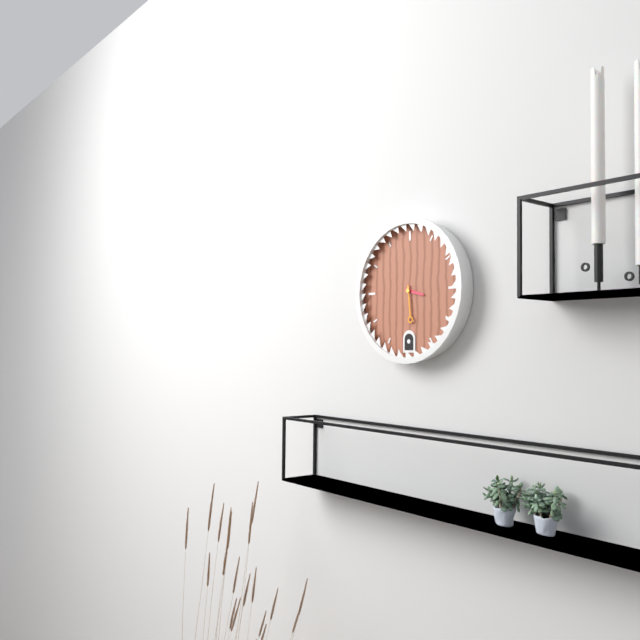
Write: 3,29
